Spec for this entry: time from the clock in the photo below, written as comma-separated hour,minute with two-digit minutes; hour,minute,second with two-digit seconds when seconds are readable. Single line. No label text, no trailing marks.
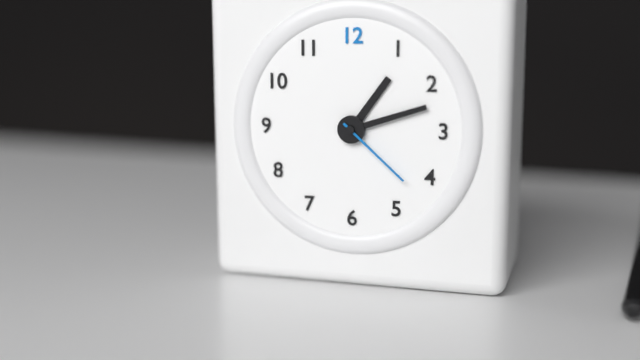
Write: 1,12,22
